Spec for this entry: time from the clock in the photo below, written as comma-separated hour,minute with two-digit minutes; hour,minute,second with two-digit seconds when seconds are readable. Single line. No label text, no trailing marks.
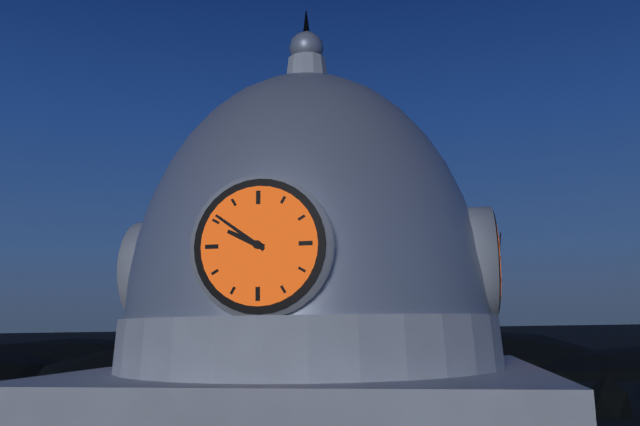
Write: 9,51
